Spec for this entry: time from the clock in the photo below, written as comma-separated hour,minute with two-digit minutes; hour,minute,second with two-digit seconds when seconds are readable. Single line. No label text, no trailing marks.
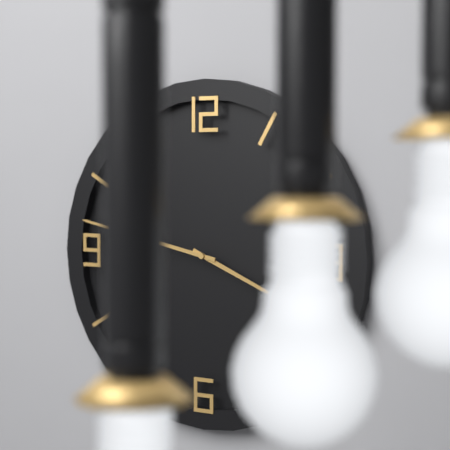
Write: 3,47
